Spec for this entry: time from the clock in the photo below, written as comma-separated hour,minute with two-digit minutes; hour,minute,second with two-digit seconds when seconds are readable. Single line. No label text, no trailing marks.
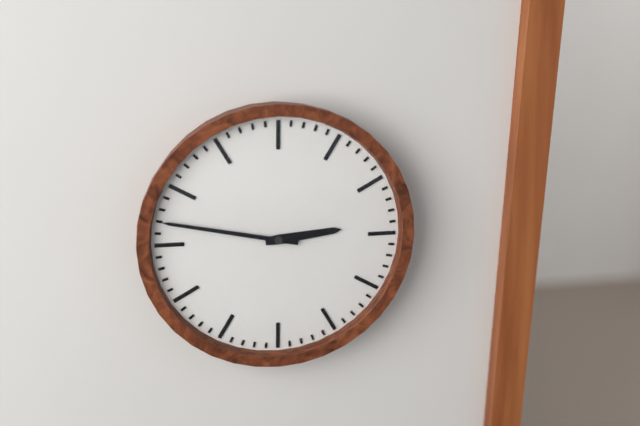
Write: 2,47
